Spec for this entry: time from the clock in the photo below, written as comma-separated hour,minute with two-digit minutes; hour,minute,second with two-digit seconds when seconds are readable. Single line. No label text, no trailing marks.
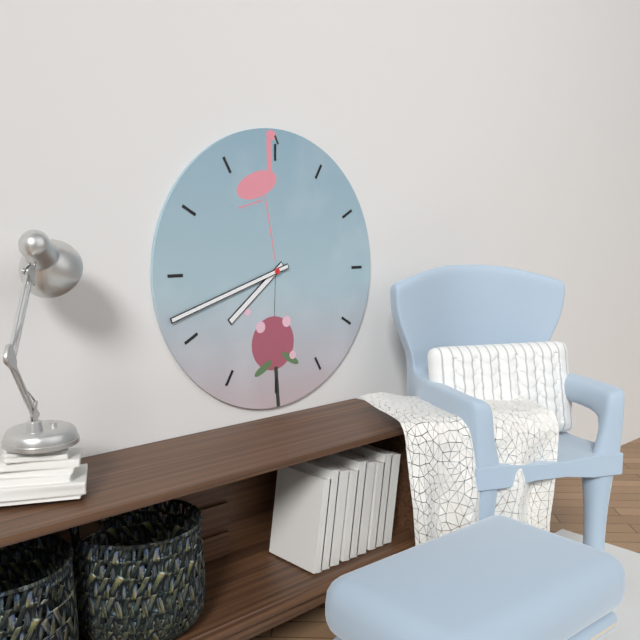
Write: 7,42
